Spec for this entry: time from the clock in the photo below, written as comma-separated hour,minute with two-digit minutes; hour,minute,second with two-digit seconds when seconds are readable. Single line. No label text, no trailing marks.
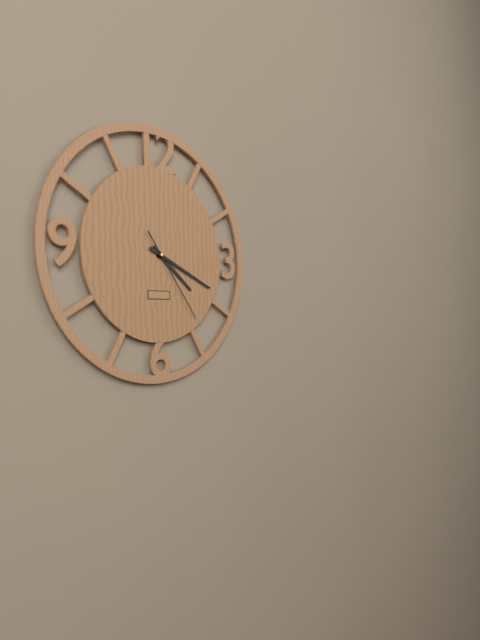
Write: 4,19,24
